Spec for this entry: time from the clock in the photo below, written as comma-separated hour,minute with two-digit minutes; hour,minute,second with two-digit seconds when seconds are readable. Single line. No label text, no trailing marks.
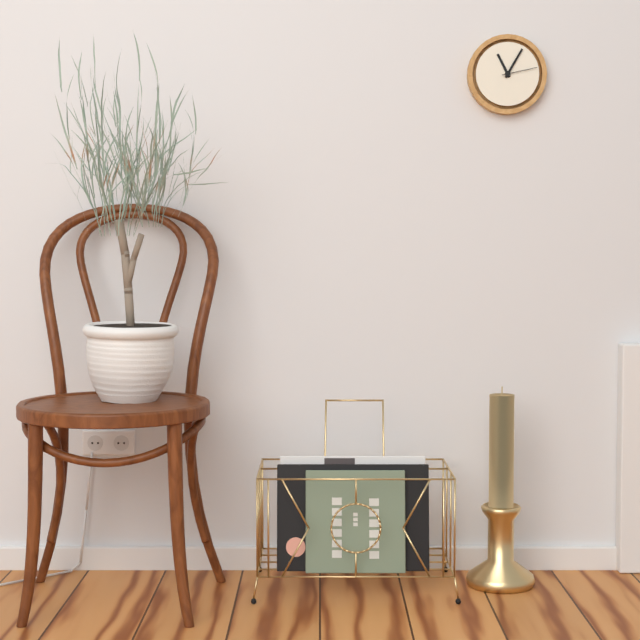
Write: 11,05
